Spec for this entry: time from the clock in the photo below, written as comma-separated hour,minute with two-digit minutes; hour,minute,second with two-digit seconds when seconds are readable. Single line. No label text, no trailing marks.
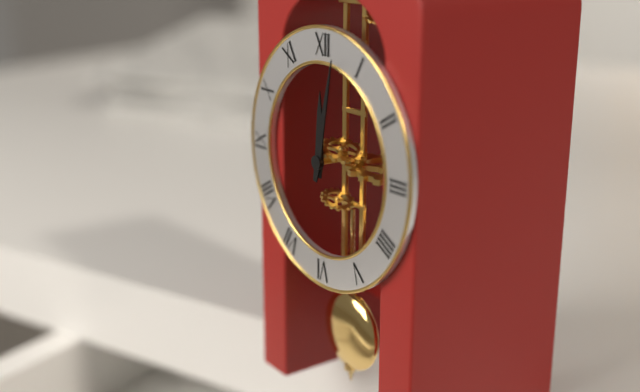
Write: 12,02
